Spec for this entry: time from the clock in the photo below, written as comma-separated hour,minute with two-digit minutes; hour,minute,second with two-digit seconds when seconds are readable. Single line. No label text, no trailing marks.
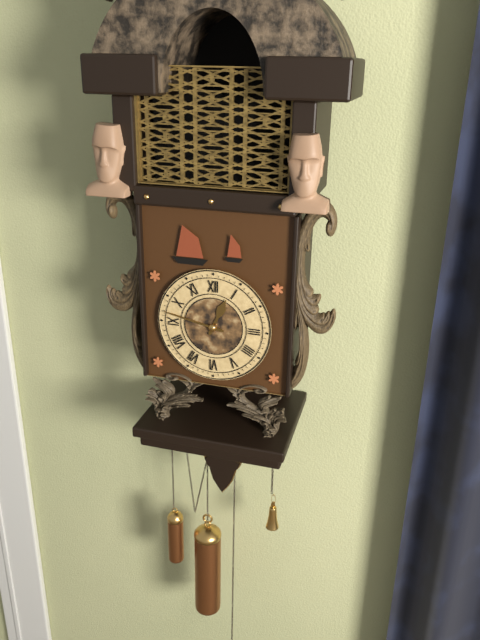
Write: 12,47
